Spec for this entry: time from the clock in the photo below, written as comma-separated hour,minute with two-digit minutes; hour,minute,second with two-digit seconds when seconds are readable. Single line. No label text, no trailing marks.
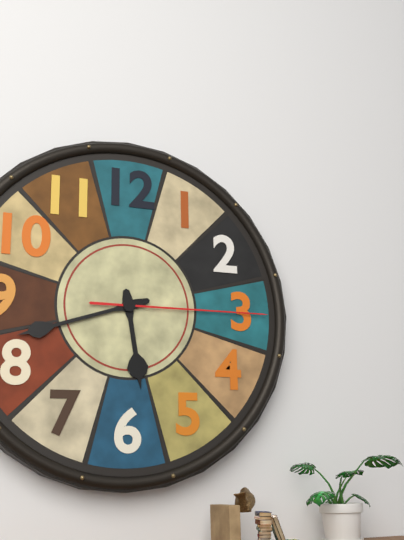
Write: 5,42,15
